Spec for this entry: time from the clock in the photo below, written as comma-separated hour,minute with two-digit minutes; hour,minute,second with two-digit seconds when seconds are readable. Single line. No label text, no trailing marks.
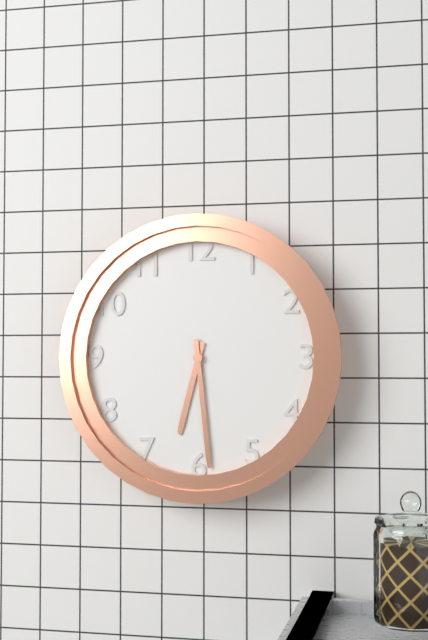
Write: 6,29
